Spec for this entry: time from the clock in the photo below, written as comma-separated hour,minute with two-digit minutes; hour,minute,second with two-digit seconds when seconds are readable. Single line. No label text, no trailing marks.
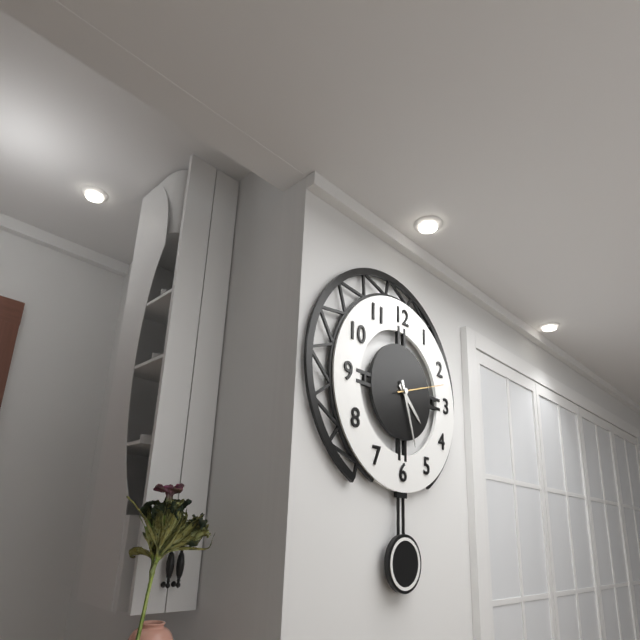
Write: 4,27,12
